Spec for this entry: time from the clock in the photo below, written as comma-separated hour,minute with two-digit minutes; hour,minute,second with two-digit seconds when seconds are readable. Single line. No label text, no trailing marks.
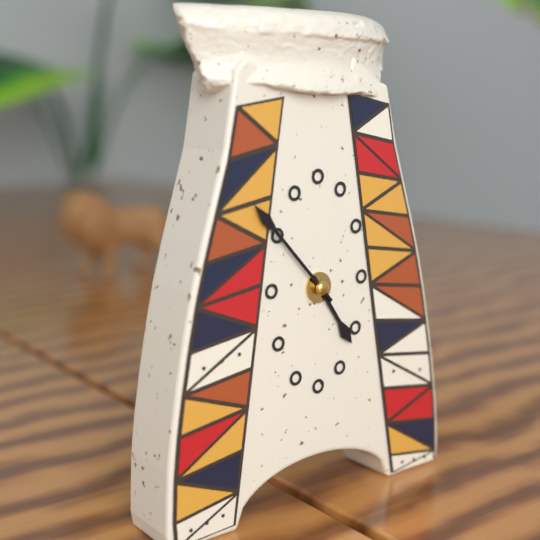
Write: 4,53
